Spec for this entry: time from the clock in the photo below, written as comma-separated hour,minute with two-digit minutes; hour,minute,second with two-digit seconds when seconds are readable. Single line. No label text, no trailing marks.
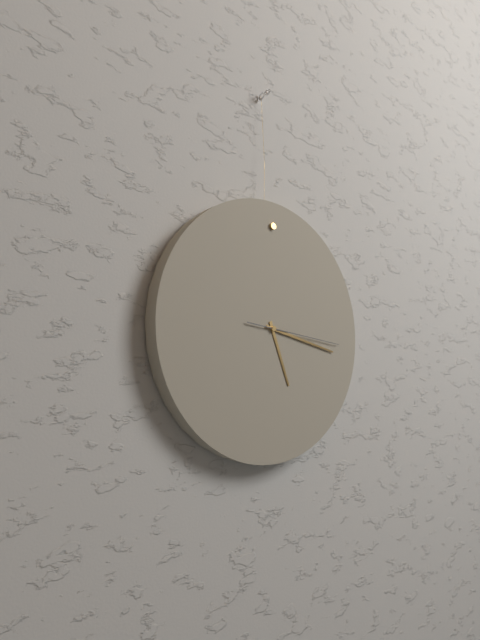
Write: 5,17,16
